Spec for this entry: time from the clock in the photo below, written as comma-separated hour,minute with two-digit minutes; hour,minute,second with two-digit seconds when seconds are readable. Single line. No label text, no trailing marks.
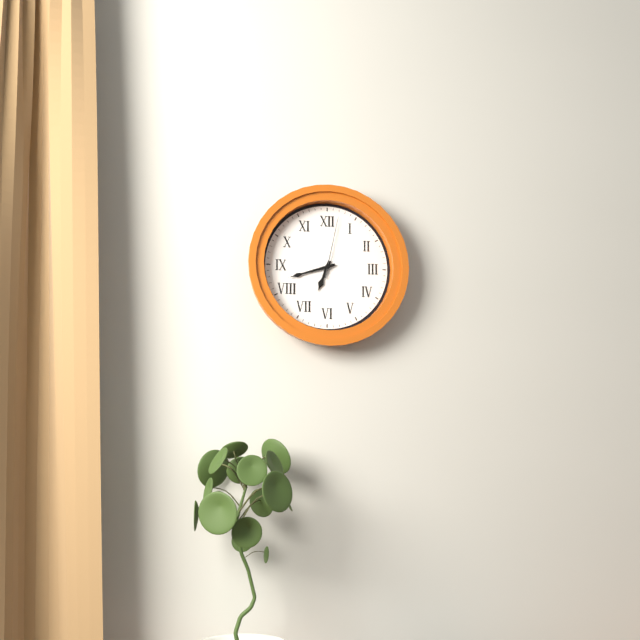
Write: 6,42,02
